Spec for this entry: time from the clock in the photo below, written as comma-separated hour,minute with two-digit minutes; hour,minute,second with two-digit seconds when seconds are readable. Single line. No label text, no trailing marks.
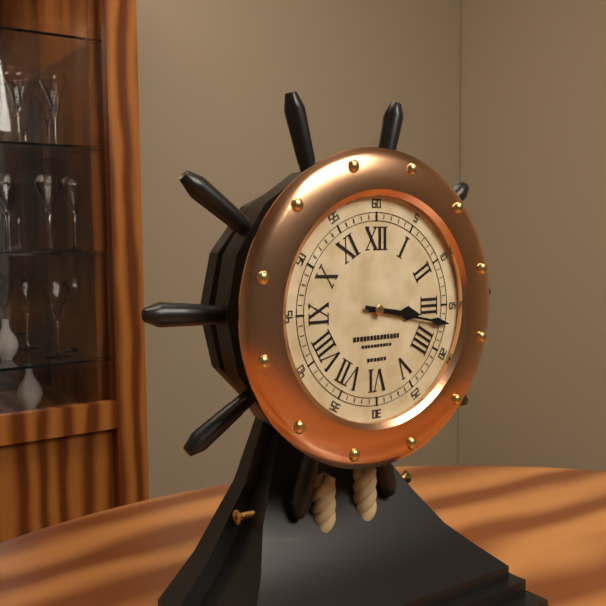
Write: 3,17
